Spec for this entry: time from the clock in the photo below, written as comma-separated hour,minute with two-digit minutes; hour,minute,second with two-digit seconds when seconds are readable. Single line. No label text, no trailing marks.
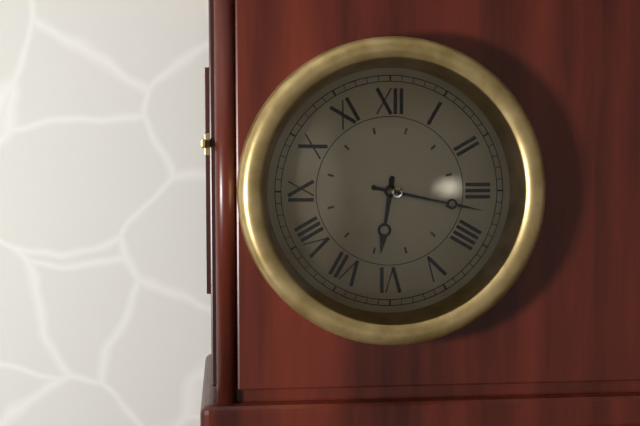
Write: 6,17
